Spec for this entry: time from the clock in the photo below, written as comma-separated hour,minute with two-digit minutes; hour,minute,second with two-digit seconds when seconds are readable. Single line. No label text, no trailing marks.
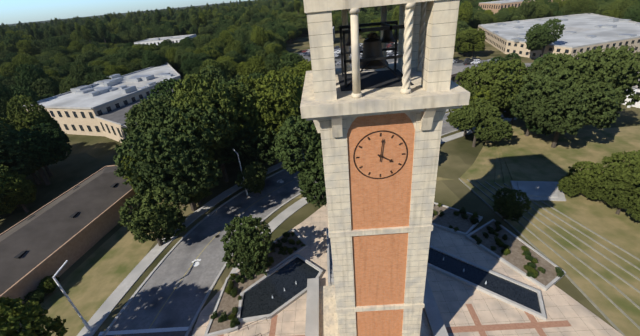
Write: 4,01
